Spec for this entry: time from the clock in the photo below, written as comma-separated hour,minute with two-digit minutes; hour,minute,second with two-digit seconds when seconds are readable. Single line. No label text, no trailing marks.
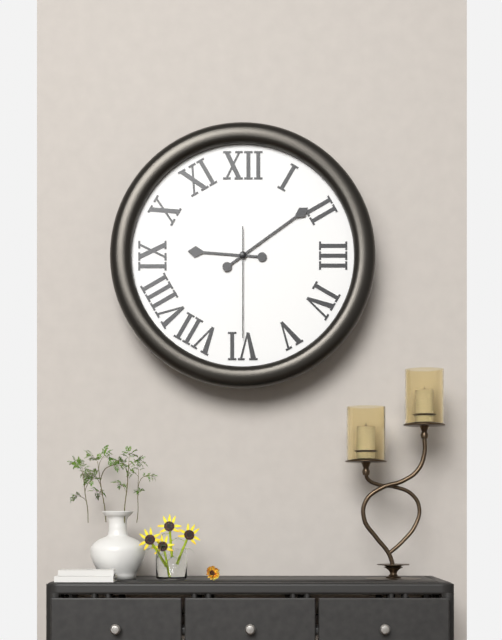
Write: 9,09,30
